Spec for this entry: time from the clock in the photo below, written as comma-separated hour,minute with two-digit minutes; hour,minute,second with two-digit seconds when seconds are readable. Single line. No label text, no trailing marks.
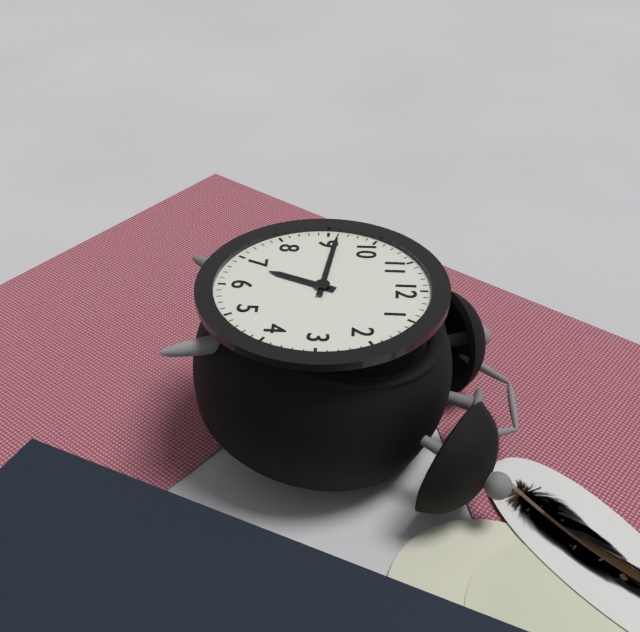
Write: 6,46
